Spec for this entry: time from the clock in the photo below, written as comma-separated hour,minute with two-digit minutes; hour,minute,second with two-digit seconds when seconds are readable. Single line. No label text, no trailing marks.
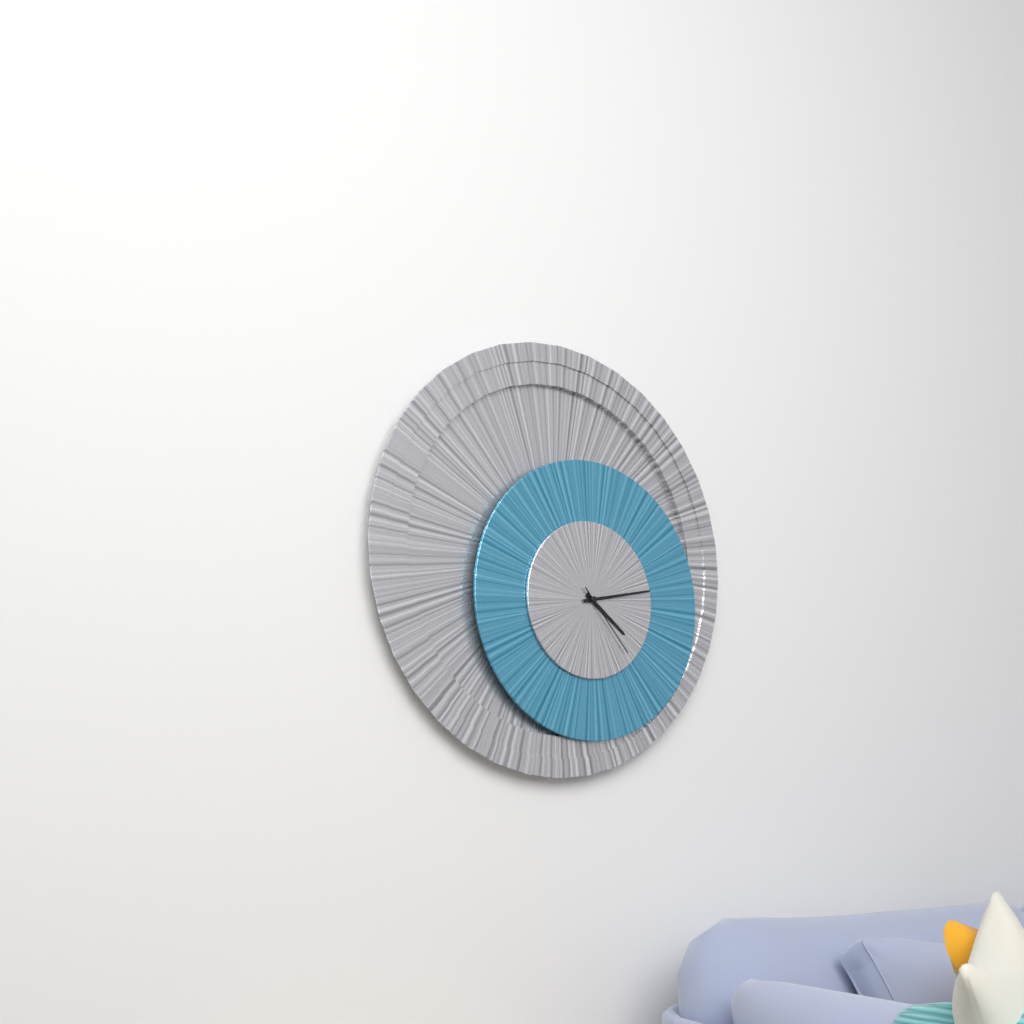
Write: 4,13,23
